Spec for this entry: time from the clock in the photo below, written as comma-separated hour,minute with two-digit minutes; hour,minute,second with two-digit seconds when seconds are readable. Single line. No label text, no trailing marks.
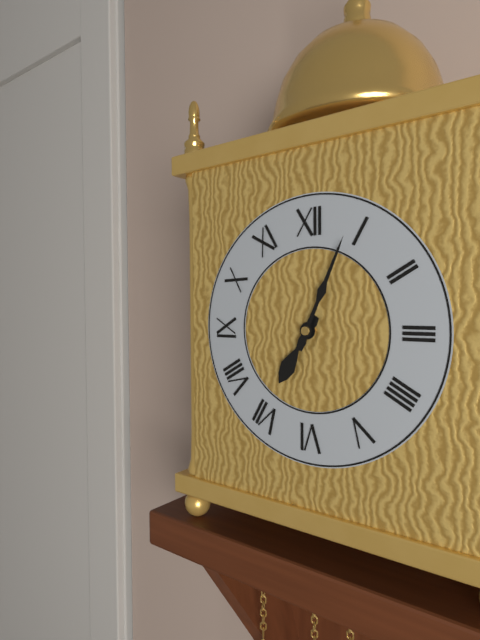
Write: 7,04
